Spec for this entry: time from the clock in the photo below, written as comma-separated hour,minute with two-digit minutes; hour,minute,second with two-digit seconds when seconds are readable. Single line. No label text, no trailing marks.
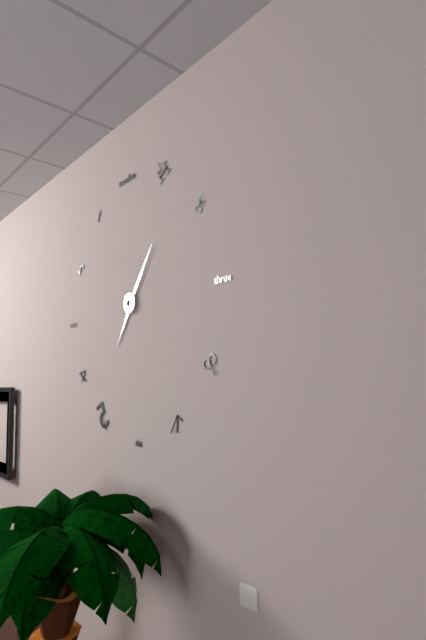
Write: 7,06
